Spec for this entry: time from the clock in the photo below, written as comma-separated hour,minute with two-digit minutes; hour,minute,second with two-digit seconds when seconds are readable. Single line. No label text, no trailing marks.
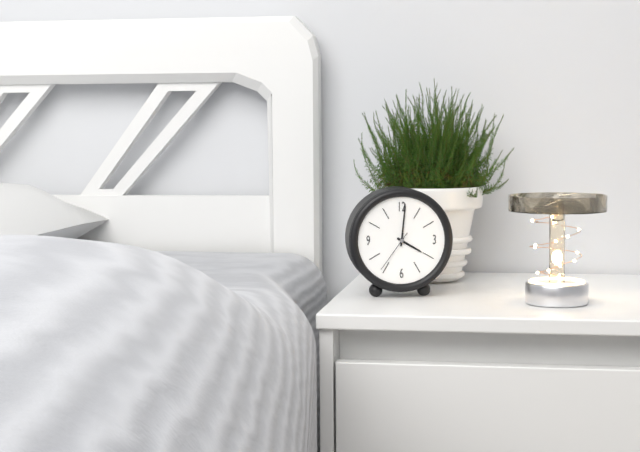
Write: 4,01
